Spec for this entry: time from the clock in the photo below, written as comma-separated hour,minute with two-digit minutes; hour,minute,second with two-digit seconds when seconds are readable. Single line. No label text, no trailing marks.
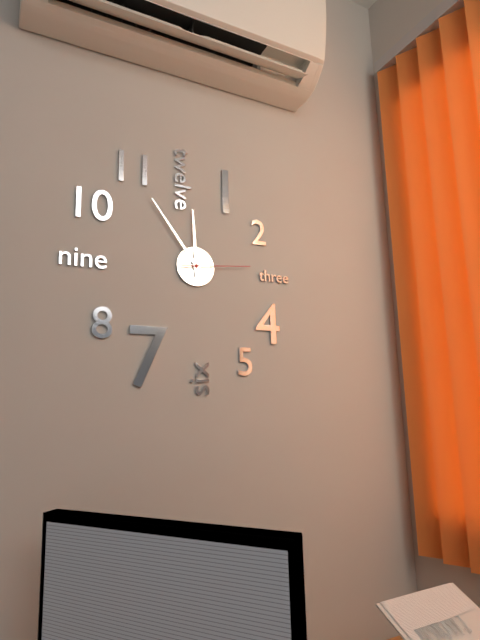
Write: 11,54,14
